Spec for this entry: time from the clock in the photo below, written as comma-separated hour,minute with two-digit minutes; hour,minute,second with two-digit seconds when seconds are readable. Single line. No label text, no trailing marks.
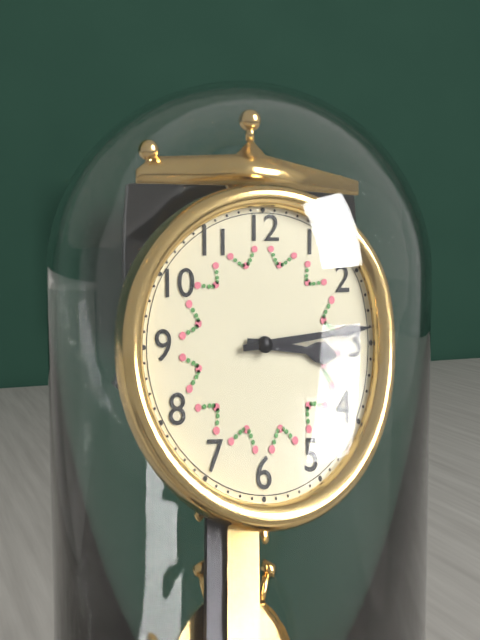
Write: 3,14
